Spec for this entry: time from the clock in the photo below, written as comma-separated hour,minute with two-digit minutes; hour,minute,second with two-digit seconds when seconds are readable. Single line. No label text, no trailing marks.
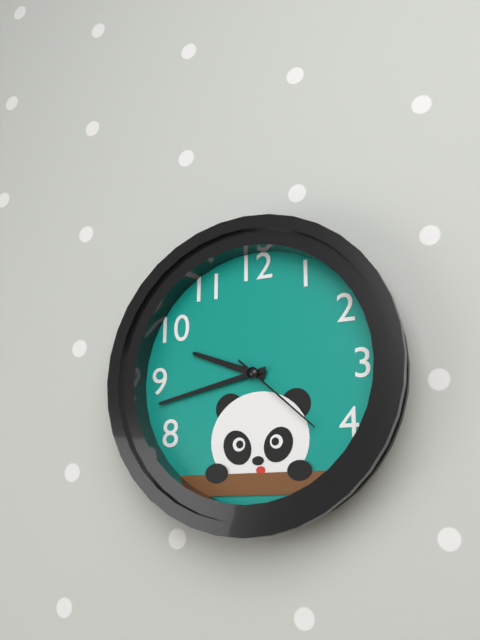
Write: 9,43,22
